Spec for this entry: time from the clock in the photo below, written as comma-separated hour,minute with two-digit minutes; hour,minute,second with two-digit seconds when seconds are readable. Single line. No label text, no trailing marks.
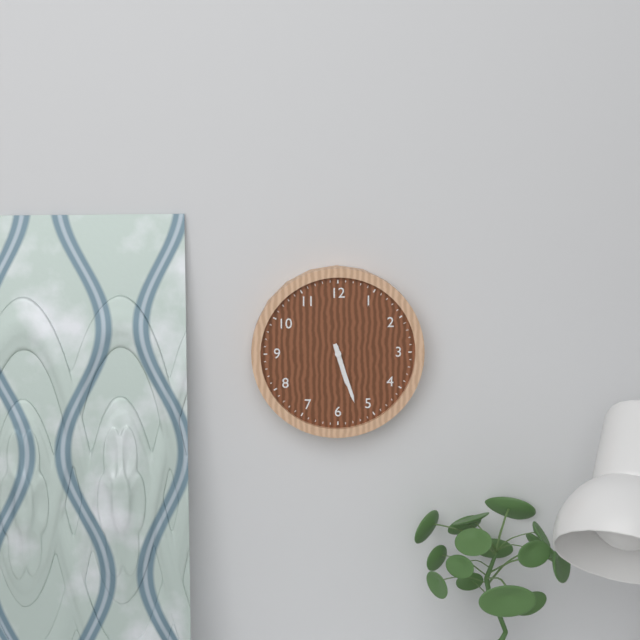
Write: 5,27
